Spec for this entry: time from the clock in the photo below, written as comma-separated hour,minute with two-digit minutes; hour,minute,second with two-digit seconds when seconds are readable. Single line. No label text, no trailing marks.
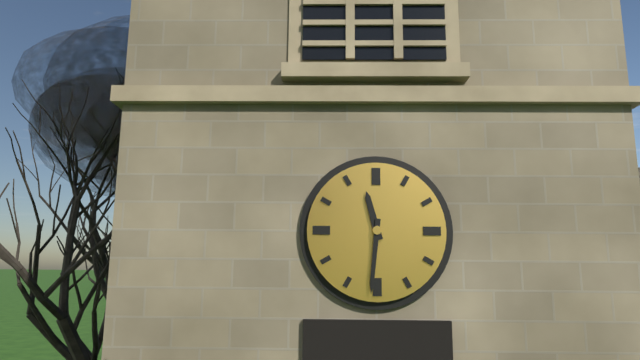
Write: 11,31
